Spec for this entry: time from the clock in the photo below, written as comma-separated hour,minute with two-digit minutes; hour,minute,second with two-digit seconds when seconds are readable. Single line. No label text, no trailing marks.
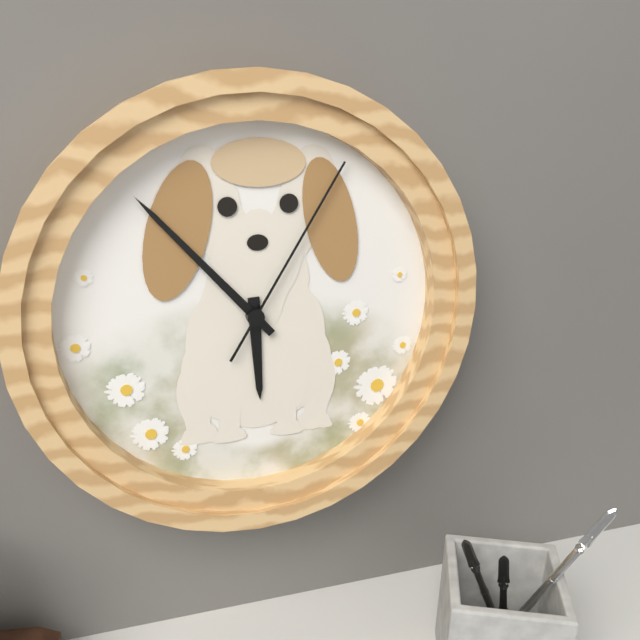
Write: 5,53,05
